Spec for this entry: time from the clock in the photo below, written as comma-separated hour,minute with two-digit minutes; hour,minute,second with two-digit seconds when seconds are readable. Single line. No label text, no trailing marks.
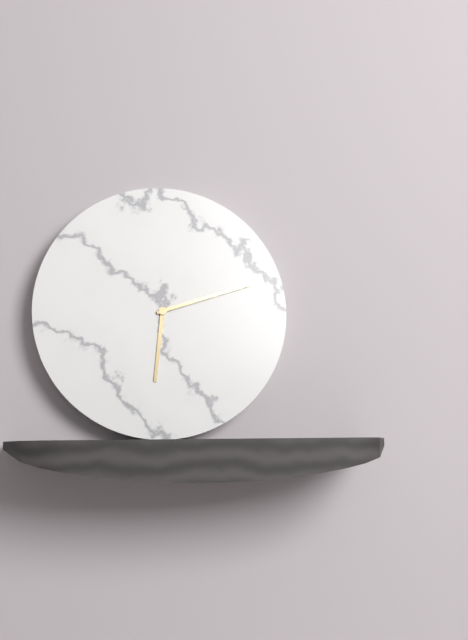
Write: 6,12
